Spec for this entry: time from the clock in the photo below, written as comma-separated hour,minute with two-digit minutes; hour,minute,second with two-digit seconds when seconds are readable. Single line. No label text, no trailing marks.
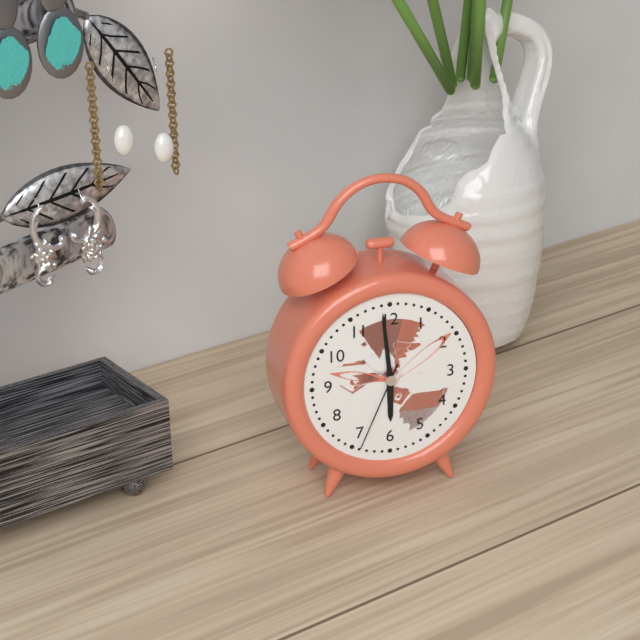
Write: 5,59,34
